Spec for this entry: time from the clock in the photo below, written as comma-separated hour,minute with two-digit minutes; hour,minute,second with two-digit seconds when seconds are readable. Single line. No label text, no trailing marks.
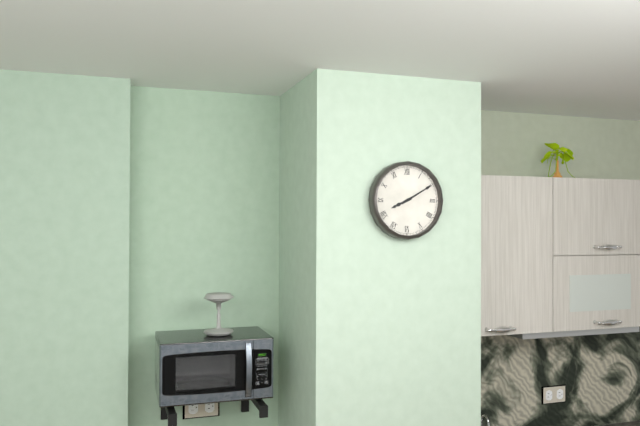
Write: 8,10
